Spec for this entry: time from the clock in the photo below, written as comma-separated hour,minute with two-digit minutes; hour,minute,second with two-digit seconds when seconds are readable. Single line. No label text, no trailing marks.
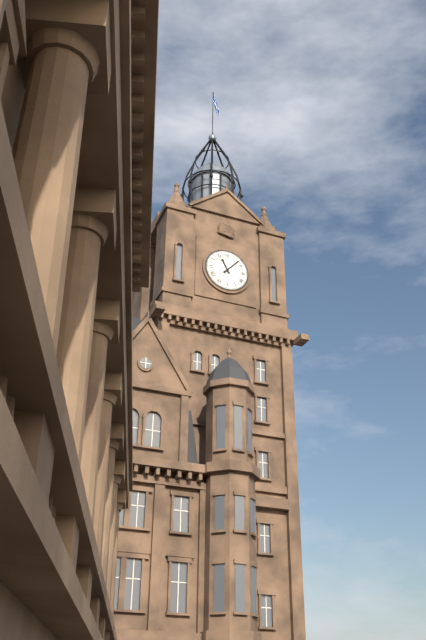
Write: 11,07
